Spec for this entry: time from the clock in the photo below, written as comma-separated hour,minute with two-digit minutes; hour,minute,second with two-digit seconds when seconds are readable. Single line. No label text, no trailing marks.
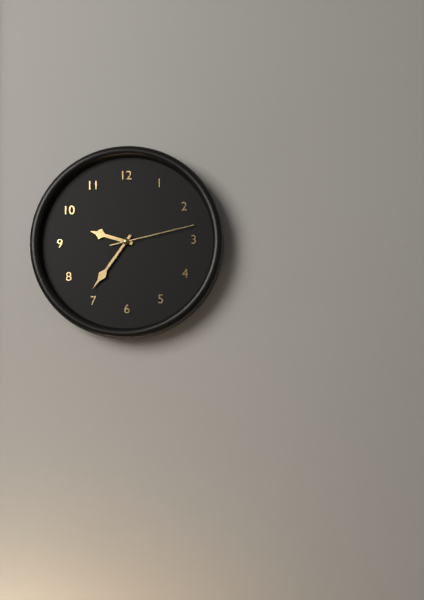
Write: 9,36,13
